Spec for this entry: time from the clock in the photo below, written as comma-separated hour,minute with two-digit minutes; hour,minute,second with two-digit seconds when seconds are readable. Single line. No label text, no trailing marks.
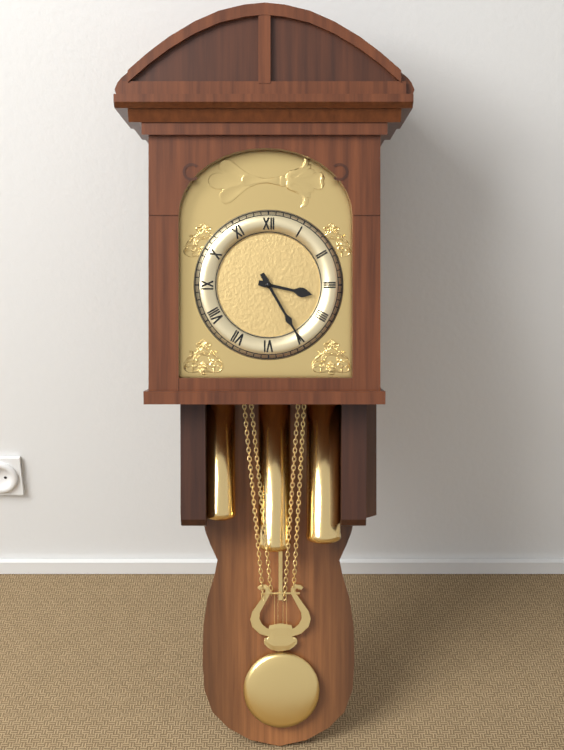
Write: 3,25
